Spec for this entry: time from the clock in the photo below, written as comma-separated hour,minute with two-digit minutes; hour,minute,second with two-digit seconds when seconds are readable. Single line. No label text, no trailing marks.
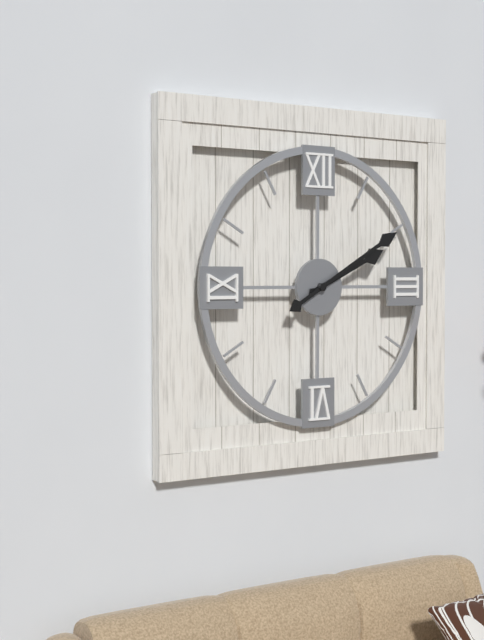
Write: 2,10
